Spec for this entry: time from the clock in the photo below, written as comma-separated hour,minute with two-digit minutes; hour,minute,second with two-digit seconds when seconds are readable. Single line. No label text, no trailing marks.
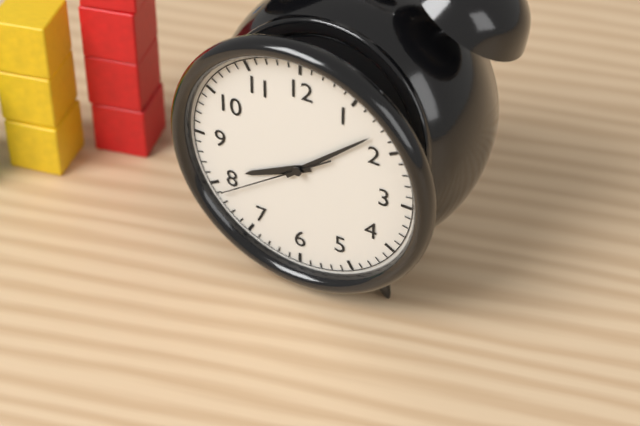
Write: 8,08,39
